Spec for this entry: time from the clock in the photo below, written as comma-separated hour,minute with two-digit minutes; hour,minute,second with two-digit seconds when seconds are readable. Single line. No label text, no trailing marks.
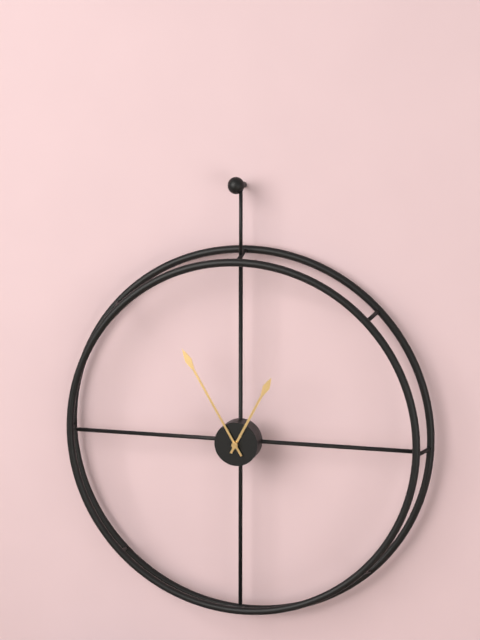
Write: 12,55
